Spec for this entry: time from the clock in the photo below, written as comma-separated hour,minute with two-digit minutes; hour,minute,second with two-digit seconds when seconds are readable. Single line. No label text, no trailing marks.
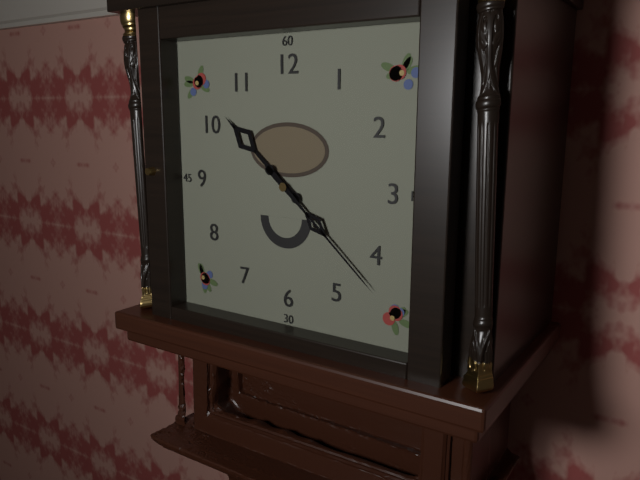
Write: 10,22
